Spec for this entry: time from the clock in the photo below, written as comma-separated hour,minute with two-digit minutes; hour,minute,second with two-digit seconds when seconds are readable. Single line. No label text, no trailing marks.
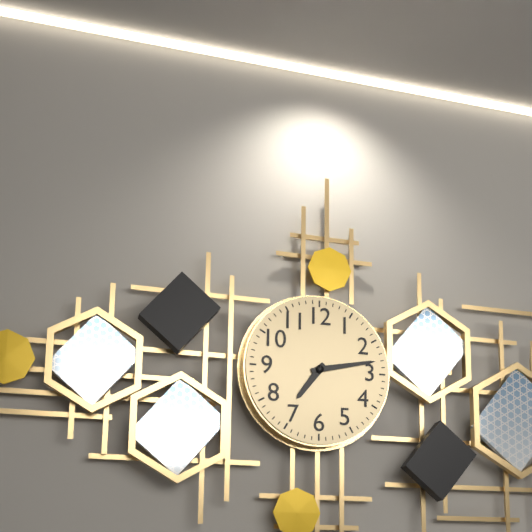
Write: 7,13
